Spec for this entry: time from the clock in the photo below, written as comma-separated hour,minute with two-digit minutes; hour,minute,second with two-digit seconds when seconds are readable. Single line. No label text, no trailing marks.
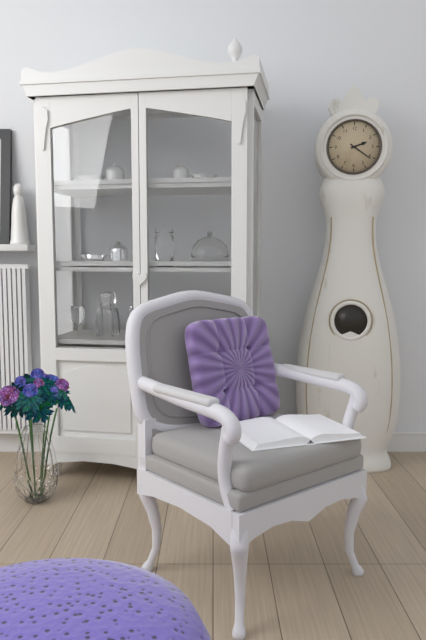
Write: 2,21
